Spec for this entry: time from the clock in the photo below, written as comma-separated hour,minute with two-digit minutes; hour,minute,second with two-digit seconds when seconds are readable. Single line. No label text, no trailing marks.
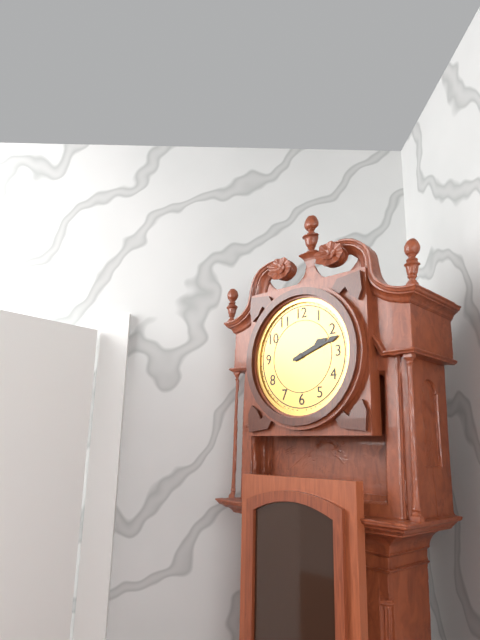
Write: 2,12
